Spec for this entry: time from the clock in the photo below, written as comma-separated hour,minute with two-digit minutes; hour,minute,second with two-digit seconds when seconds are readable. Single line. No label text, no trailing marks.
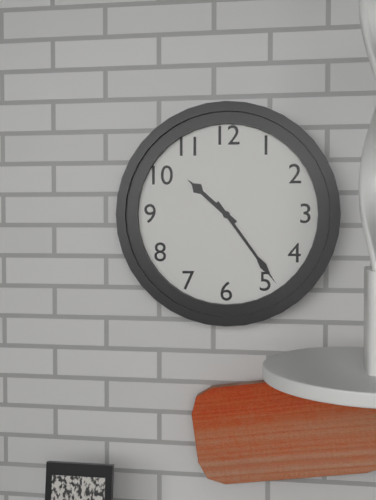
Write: 10,24
